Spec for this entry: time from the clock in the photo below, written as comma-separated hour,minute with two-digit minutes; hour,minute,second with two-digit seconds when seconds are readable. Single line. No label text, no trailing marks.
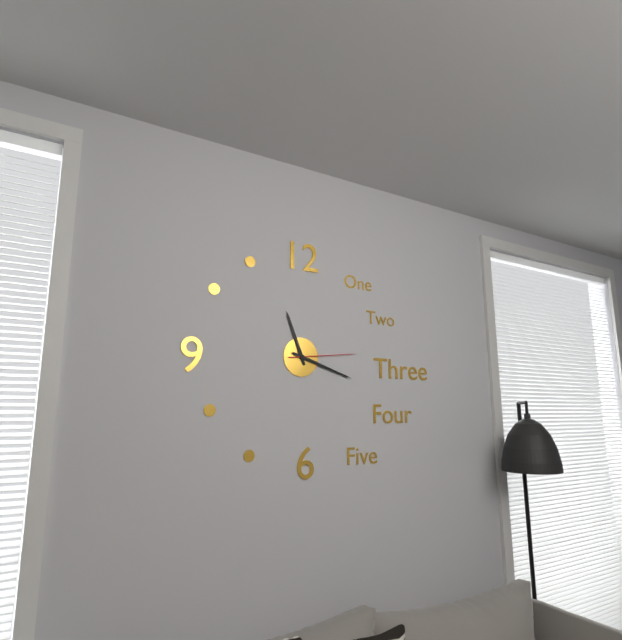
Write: 11,18,14
